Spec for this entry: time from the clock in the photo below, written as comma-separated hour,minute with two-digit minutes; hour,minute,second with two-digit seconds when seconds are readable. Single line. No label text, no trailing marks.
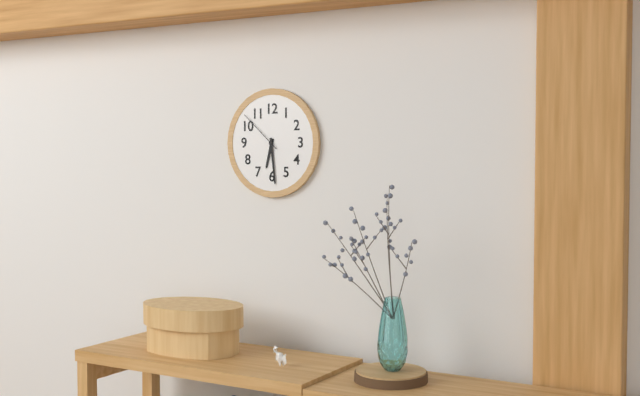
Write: 6,29
